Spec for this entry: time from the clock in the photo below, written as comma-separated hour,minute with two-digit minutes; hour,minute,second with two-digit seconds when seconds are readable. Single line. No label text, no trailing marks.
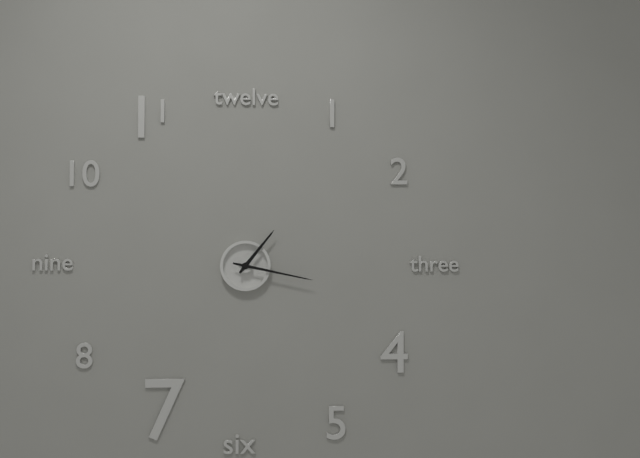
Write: 1,17
